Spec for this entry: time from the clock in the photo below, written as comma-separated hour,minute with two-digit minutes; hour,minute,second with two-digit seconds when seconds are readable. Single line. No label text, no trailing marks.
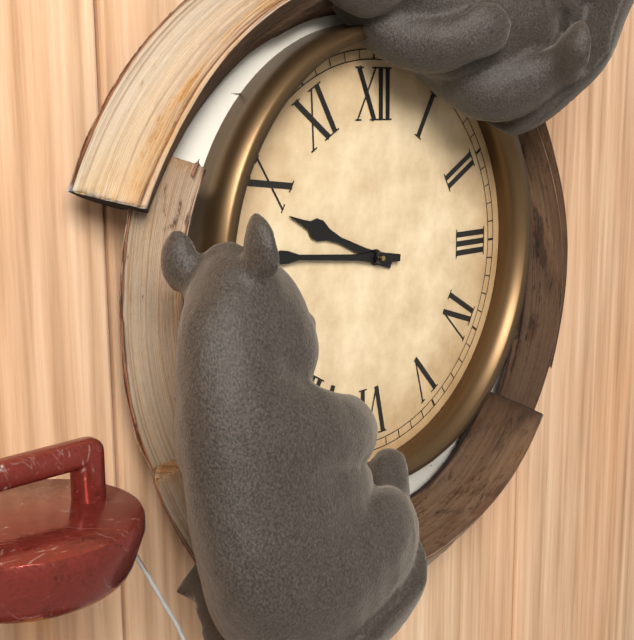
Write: 9,46
